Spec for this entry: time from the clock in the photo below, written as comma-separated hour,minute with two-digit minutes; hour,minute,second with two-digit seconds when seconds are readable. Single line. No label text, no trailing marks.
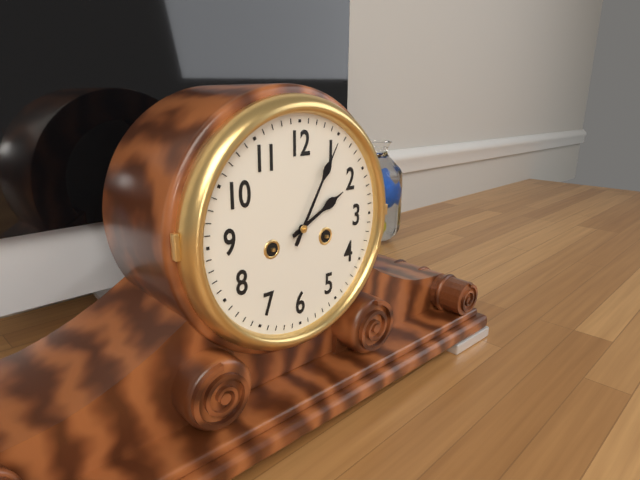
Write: 2,05
